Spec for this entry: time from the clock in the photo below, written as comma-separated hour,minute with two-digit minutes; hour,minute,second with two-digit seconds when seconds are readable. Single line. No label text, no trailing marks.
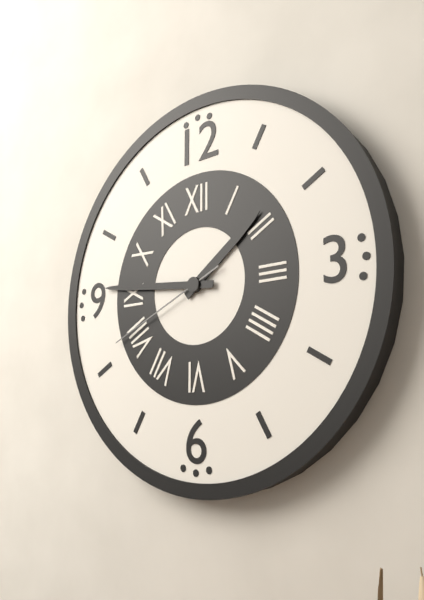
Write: 1,46,41
